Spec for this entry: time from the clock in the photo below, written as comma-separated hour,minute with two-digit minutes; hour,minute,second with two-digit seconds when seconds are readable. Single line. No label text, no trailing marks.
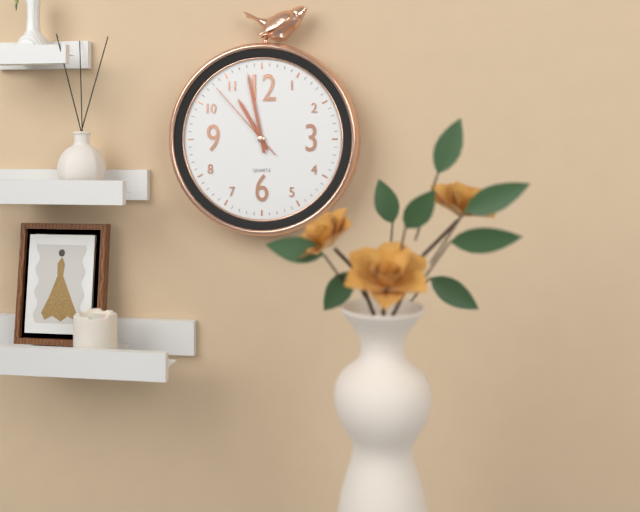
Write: 10,58,53
